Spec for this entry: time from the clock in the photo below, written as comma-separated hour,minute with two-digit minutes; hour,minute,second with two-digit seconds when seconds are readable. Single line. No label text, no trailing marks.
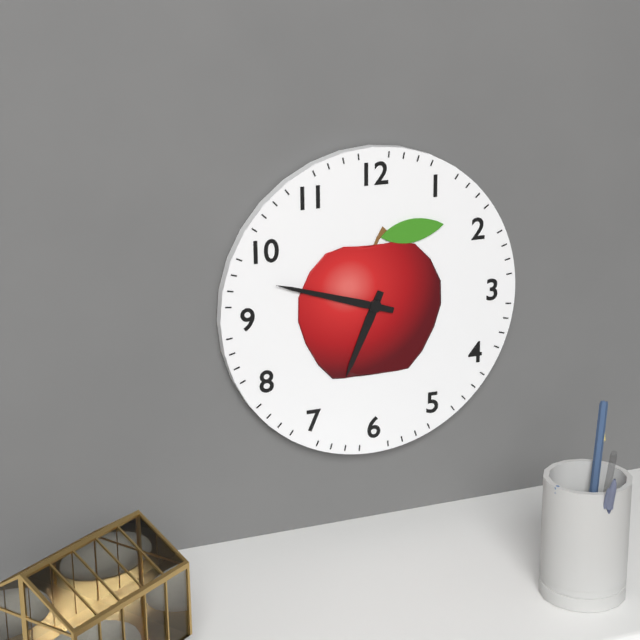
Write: 6,48
